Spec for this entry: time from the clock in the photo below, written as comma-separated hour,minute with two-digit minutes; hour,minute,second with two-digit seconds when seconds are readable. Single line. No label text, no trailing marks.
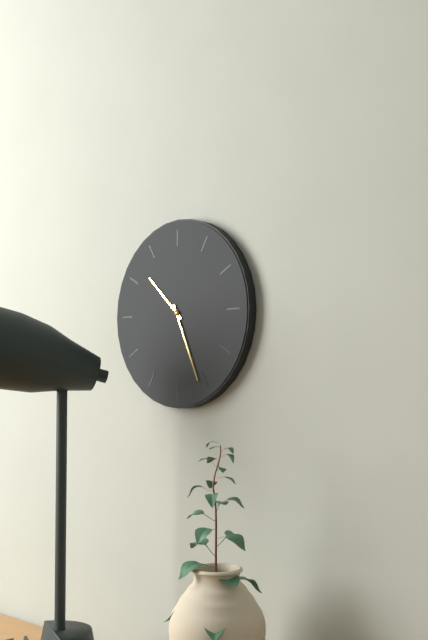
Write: 10,26
